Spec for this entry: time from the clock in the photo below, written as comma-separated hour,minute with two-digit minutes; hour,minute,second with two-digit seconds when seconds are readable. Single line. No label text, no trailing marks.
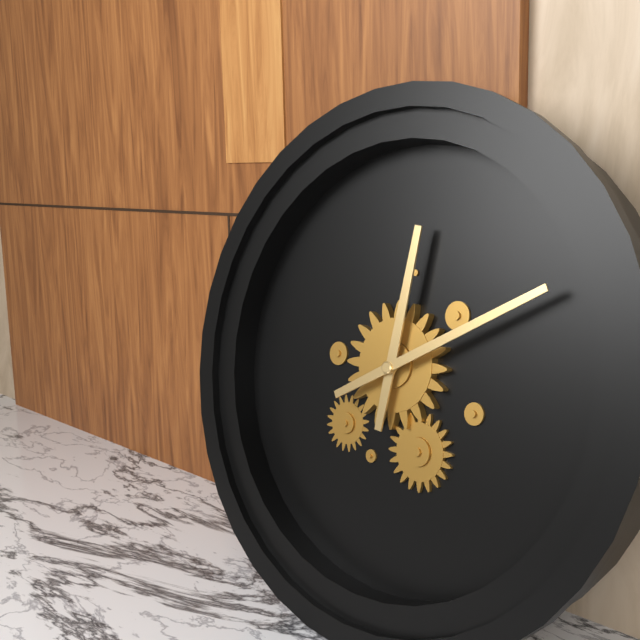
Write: 12,10
